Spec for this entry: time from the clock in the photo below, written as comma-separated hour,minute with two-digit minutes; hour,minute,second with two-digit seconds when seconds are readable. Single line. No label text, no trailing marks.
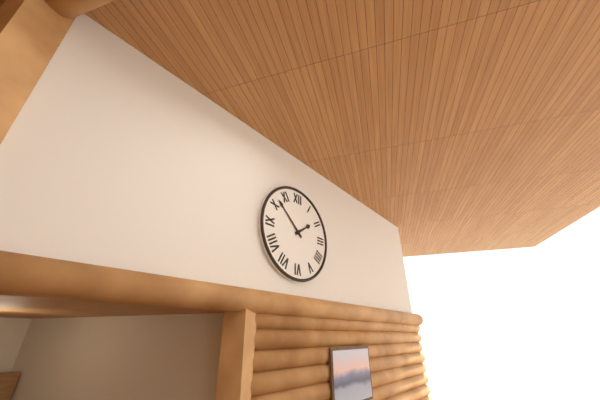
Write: 1,52
